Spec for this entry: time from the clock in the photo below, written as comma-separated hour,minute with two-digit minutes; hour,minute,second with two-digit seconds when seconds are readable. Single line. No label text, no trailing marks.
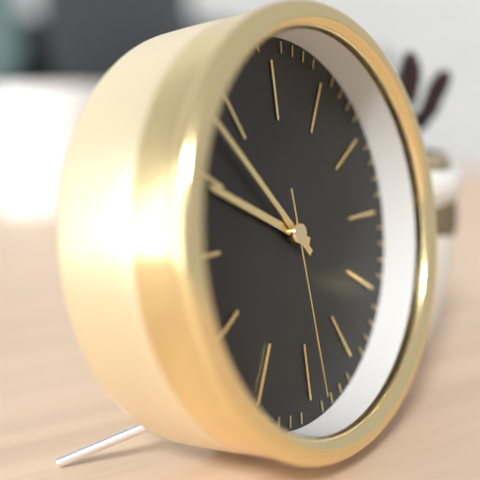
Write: 9,53,29
